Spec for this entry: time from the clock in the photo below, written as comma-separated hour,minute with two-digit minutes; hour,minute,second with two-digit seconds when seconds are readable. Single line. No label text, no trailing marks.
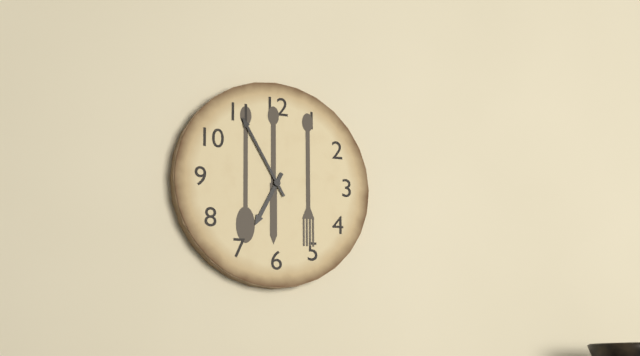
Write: 6,55
